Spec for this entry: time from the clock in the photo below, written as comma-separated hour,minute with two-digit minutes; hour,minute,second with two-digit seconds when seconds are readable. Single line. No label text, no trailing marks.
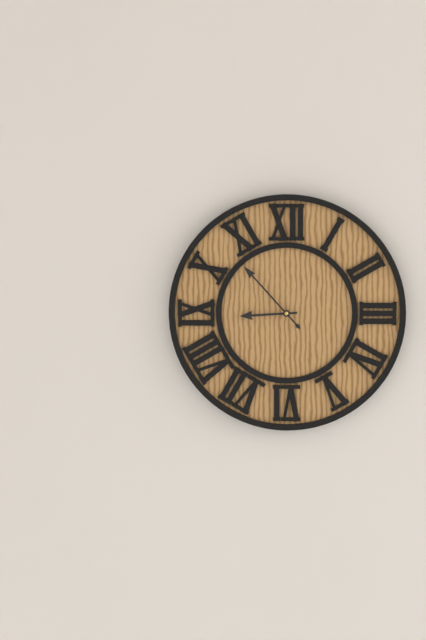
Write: 8,53
